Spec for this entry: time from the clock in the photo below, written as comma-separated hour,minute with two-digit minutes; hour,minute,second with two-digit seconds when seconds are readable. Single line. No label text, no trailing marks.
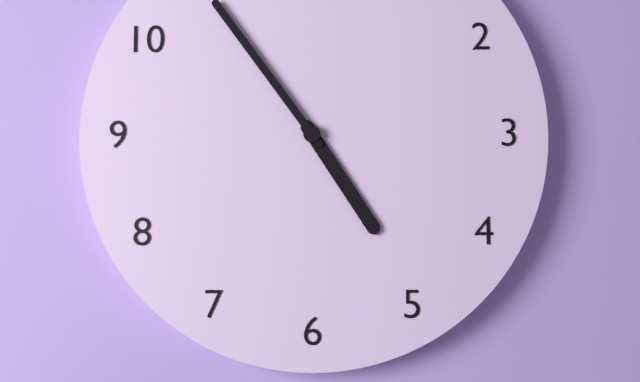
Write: 4,54
